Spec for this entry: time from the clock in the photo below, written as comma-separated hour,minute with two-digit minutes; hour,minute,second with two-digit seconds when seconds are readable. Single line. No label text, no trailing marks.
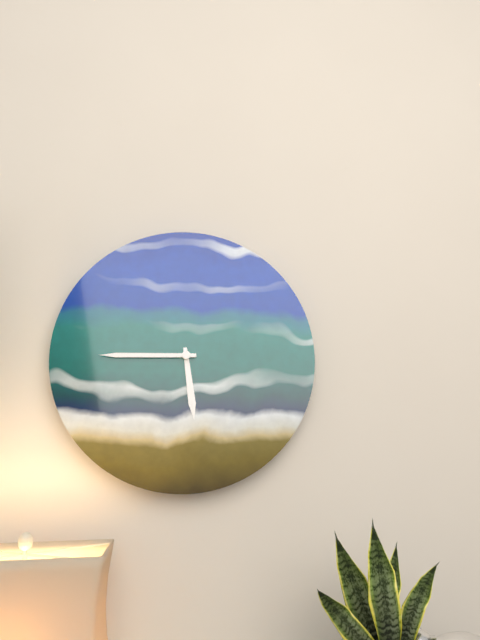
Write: 5,45
